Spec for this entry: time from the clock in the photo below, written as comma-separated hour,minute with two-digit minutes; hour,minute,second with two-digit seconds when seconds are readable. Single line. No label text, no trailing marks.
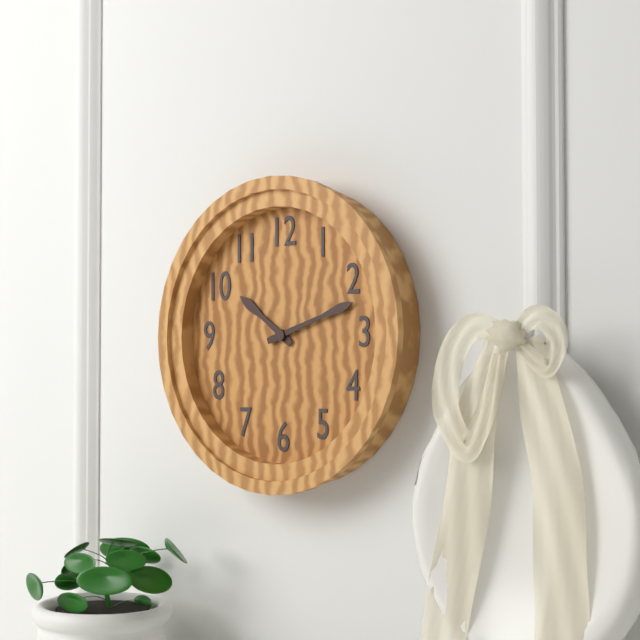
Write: 10,12
